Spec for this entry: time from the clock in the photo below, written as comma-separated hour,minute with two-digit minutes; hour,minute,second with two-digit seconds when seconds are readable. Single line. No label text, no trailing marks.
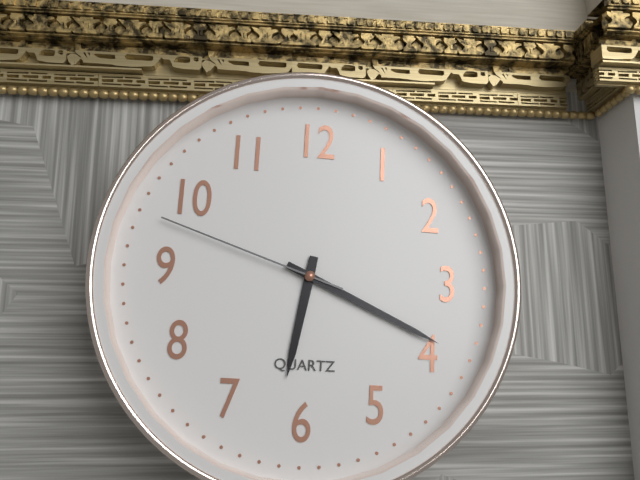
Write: 6,19,48
